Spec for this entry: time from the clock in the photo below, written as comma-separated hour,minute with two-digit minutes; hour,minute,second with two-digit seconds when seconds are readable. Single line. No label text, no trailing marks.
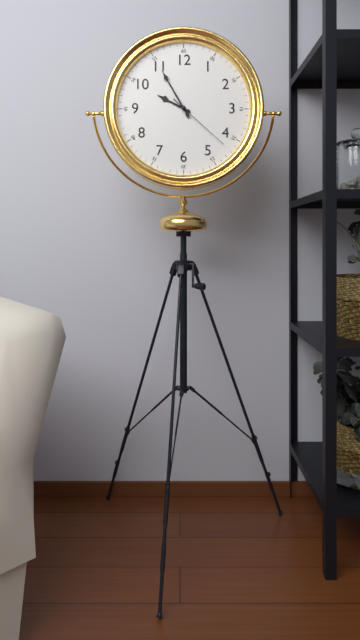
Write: 9,55,22
